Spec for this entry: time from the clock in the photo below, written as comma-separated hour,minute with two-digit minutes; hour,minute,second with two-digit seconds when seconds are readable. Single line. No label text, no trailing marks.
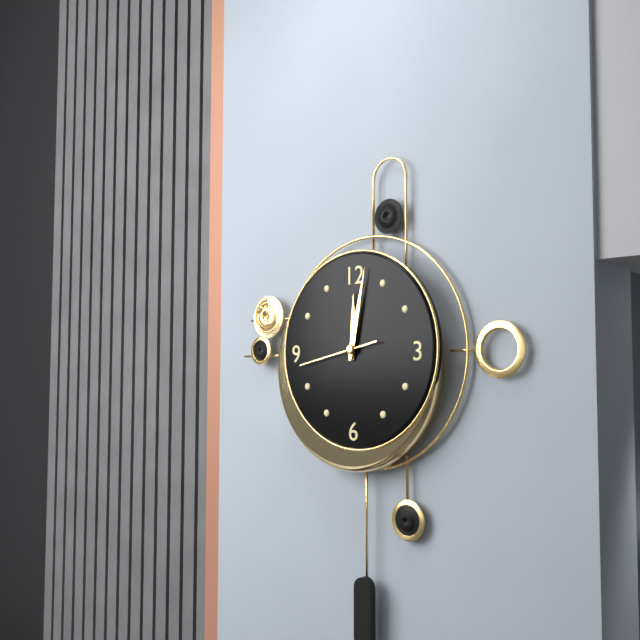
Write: 12,02,43
